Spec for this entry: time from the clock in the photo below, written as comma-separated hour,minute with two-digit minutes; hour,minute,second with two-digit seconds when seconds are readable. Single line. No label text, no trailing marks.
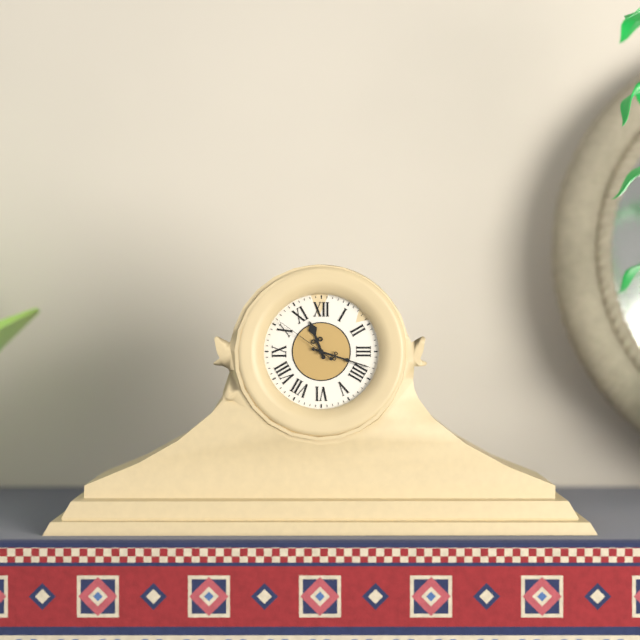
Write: 11,18,51
